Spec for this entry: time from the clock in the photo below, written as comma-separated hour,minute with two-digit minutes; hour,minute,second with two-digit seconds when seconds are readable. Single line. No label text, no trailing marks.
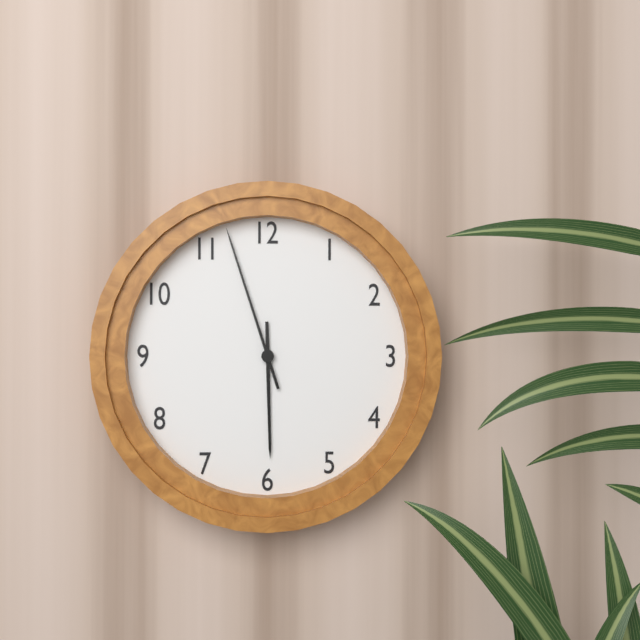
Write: 5,57
